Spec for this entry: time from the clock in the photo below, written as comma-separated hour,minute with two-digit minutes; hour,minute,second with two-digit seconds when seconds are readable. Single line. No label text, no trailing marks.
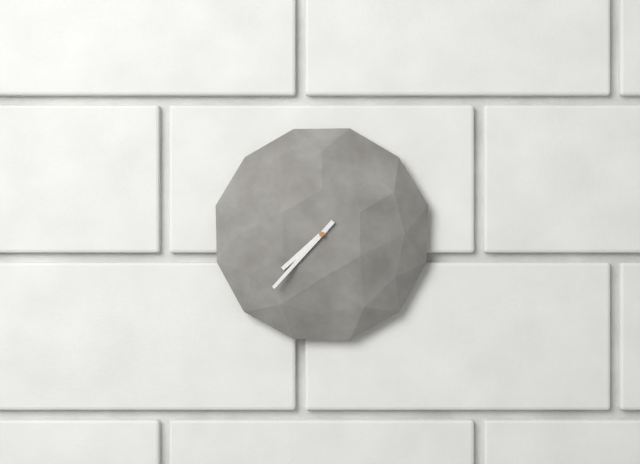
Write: 7,37
